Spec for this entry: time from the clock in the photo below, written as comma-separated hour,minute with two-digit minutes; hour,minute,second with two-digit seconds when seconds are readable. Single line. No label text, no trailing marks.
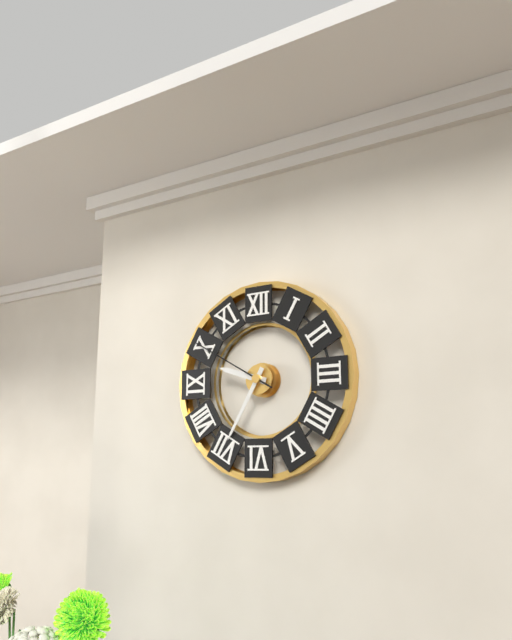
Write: 9,35,50
